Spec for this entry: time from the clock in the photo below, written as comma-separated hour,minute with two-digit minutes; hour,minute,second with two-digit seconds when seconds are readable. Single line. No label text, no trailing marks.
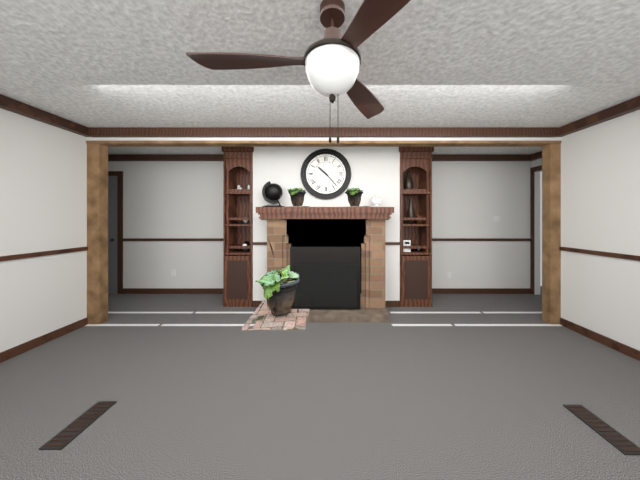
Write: 10,23
